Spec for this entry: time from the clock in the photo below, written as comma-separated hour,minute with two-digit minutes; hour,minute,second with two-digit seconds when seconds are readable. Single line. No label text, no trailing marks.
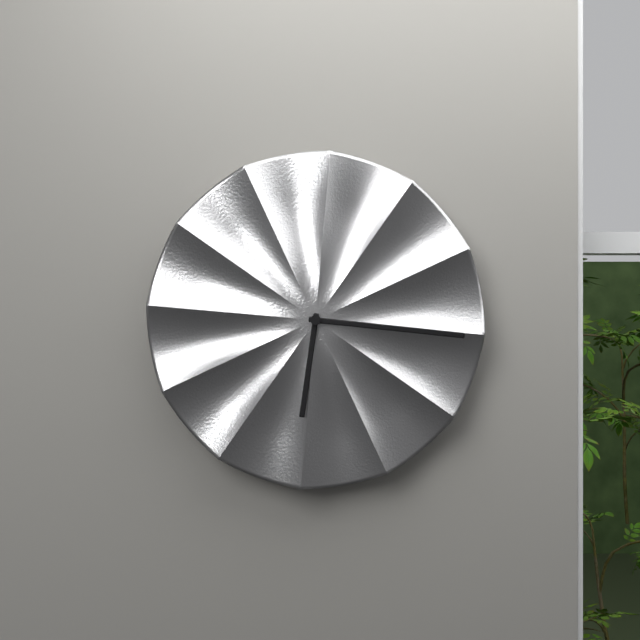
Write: 6,16
